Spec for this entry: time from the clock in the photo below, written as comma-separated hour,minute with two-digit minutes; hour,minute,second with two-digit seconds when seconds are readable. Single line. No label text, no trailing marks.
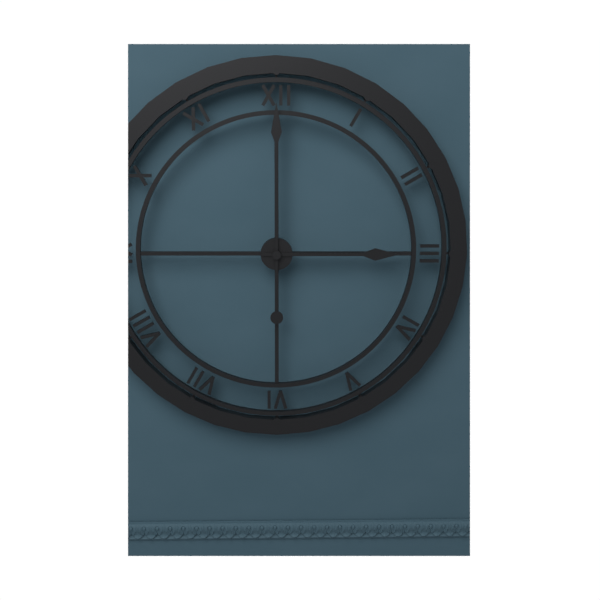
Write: 3,00
